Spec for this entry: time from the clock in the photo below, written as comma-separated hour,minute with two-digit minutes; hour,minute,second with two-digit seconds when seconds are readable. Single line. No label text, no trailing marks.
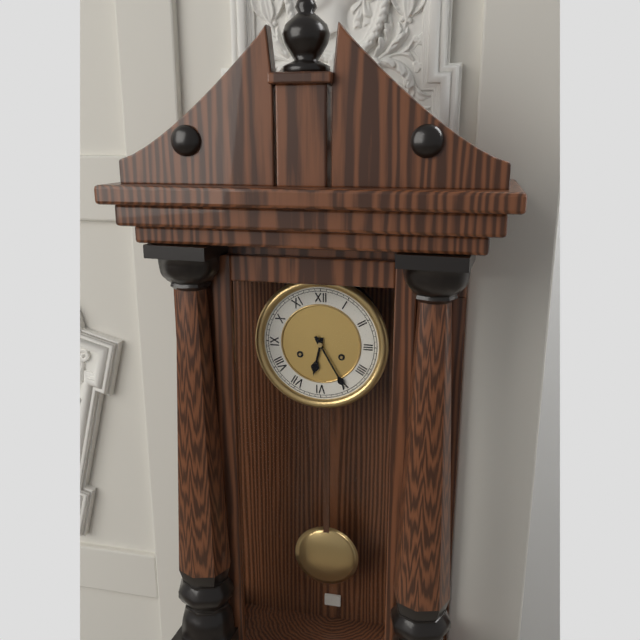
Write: 6,25
